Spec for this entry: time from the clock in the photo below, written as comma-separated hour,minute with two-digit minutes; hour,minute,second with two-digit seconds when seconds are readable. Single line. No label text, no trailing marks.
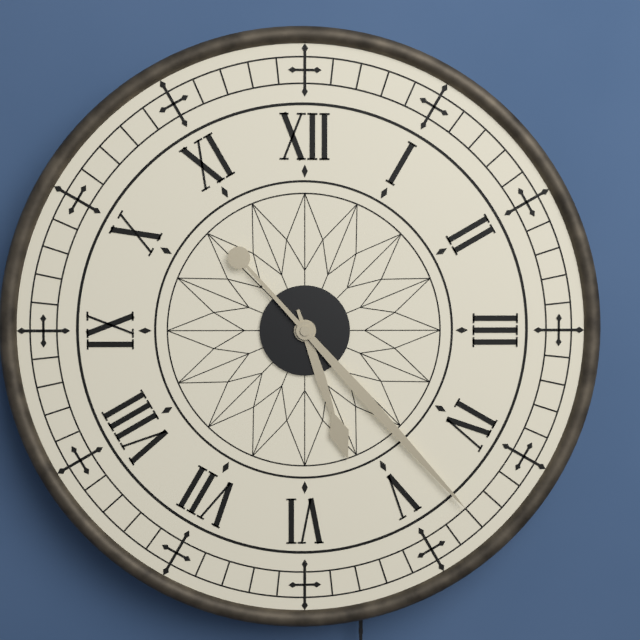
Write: 5,23
